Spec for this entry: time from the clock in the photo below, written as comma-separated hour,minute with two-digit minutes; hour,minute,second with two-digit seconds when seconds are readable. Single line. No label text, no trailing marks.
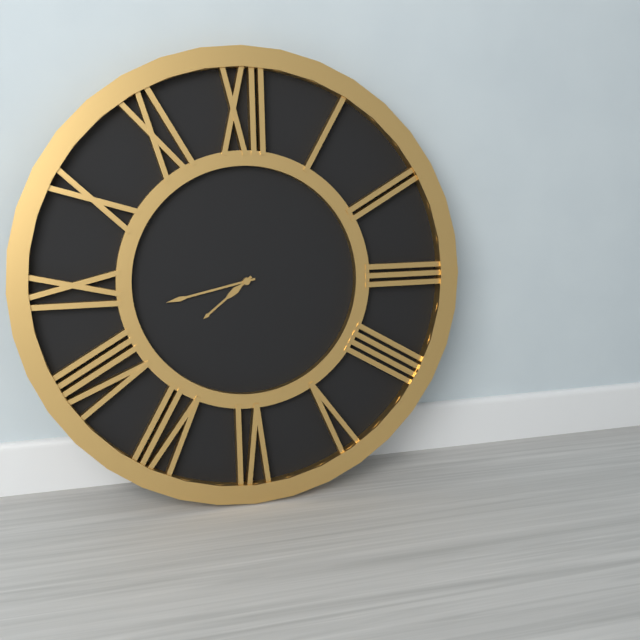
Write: 7,43
